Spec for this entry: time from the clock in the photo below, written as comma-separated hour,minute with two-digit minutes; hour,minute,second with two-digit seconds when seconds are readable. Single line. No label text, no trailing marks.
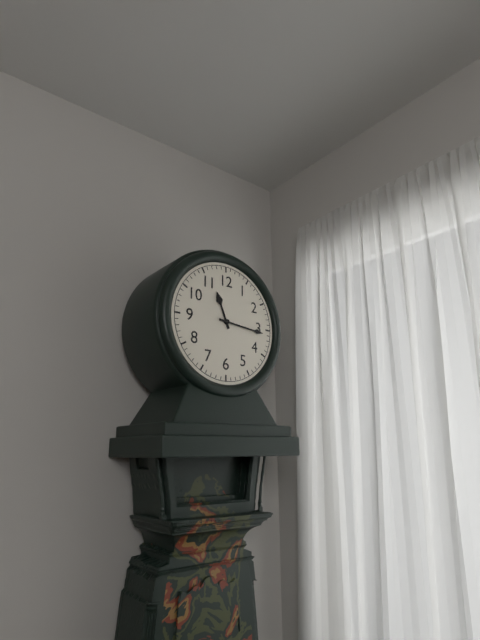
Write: 11,16
